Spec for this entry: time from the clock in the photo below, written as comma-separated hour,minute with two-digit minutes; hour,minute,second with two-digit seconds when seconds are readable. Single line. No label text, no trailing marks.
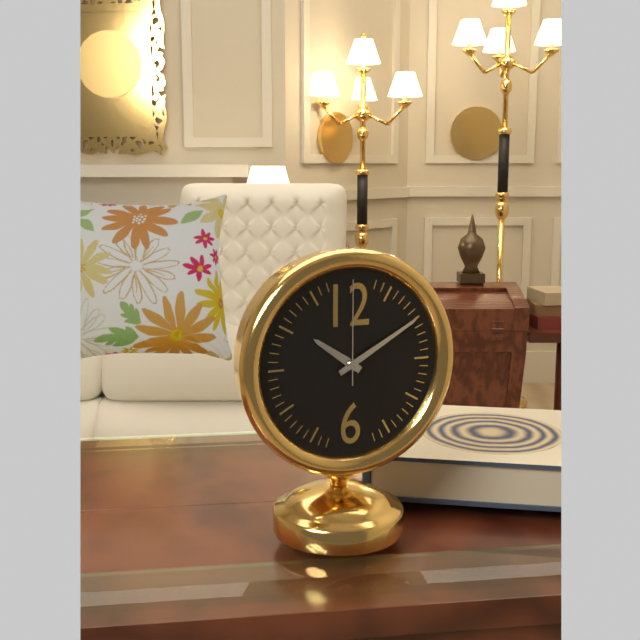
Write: 10,10,00
